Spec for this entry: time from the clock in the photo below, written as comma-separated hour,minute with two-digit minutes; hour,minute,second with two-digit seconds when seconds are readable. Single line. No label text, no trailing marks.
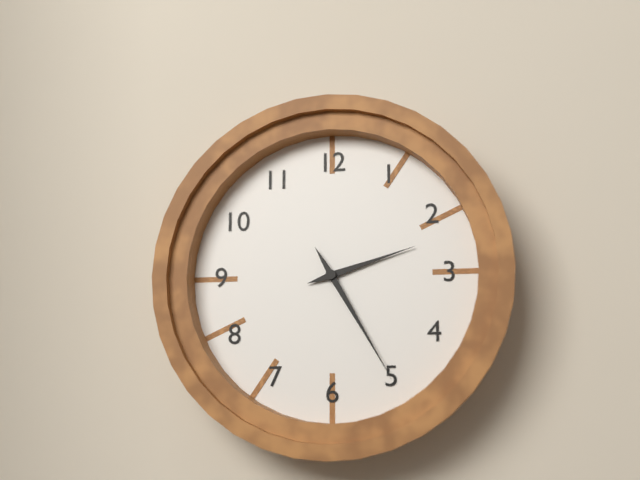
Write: 2,25
